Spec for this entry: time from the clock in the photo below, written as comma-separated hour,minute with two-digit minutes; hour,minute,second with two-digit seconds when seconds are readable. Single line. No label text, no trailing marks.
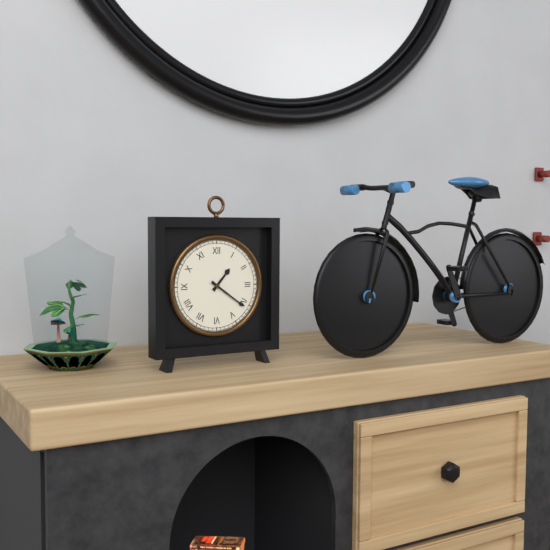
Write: 1,21
